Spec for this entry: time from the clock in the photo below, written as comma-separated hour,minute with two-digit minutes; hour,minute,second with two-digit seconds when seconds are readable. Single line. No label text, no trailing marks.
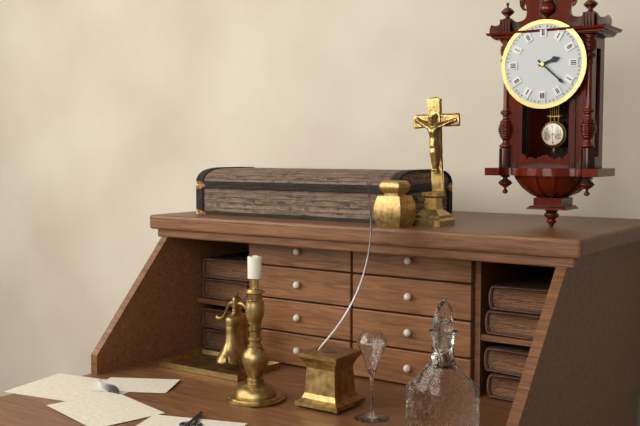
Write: 2,22
